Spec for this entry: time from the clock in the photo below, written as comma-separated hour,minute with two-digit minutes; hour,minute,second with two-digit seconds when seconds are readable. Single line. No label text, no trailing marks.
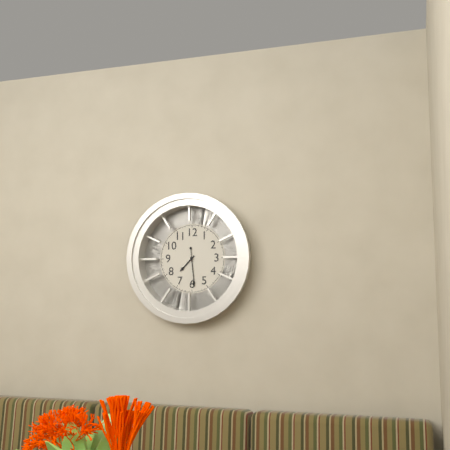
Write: 7,29
